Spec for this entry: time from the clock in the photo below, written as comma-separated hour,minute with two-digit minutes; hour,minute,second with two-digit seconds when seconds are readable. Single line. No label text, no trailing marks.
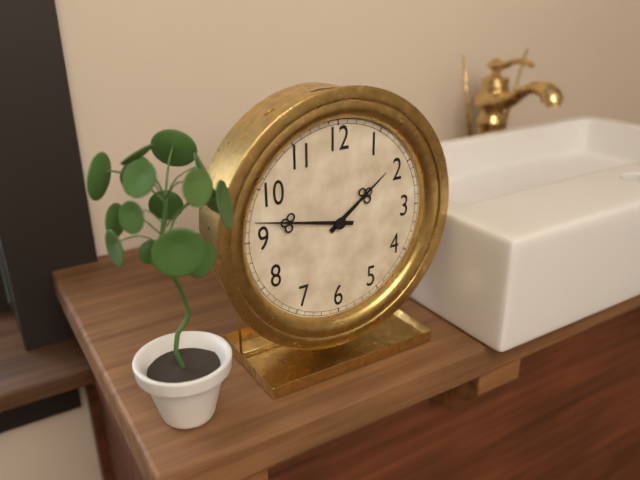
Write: 1,47
